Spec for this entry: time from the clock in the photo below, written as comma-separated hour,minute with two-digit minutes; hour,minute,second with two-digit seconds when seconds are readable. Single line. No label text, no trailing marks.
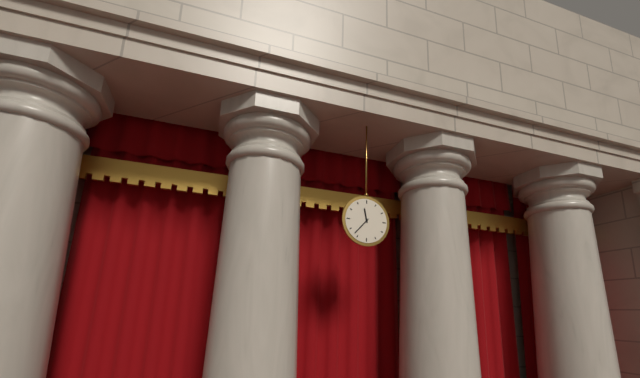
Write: 11,37
